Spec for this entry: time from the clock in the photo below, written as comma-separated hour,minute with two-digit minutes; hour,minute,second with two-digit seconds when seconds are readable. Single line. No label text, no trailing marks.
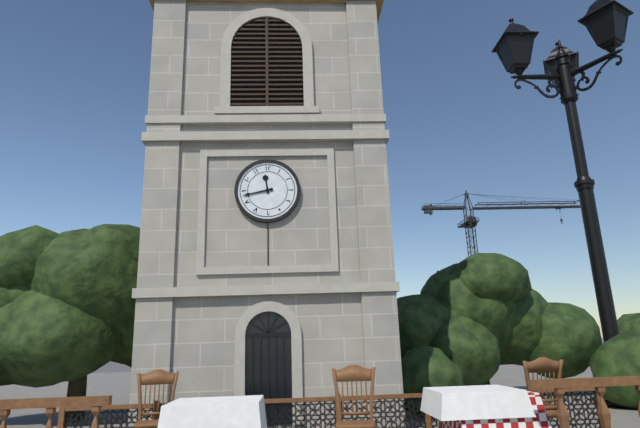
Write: 11,43
